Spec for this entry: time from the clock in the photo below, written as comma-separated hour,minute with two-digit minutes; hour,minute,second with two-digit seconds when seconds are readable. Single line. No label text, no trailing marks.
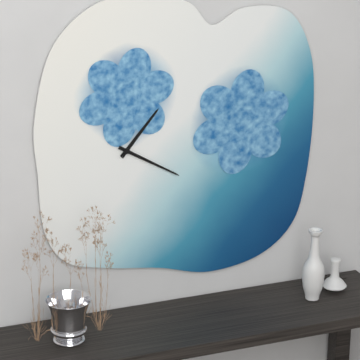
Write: 1,20
